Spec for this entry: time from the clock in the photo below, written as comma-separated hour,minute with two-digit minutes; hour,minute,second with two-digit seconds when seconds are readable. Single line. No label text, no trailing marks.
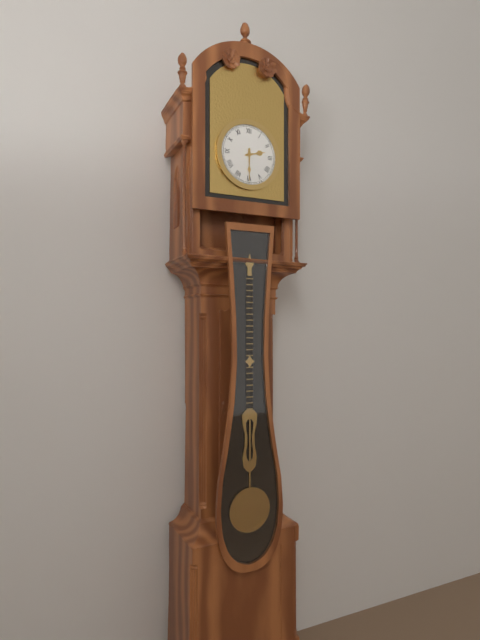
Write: 2,30
